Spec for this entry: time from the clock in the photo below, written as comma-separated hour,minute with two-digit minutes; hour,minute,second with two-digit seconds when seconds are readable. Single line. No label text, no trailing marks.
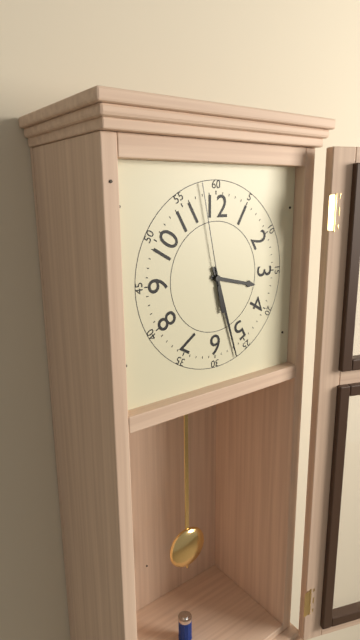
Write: 3,27,58
